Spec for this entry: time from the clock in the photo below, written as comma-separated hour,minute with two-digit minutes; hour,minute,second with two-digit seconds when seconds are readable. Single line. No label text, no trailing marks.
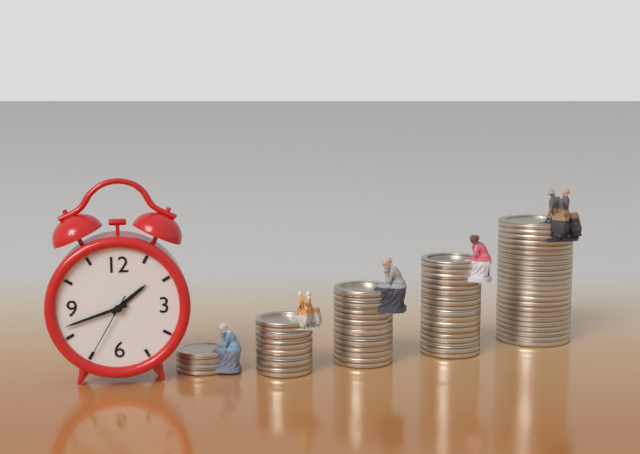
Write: 1,42,35
